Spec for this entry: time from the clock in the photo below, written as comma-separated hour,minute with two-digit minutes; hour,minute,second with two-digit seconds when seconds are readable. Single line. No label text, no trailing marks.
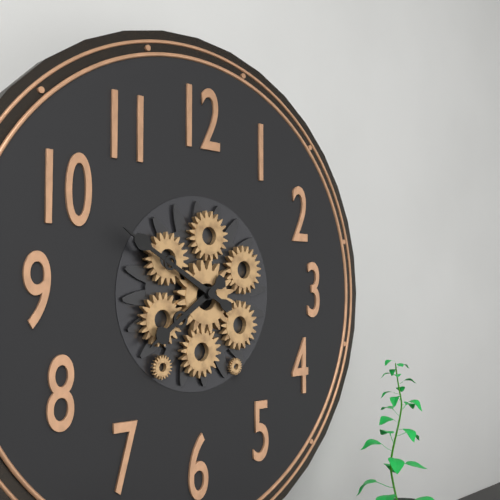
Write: 7,50
